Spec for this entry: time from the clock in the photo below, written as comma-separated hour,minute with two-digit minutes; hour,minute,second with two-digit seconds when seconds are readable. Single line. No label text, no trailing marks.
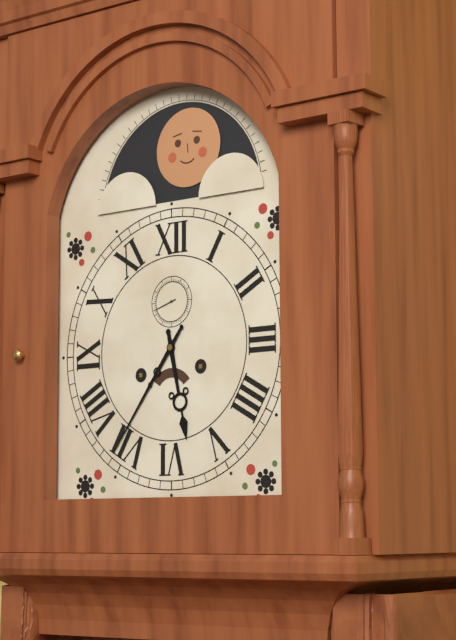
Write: 5,36
